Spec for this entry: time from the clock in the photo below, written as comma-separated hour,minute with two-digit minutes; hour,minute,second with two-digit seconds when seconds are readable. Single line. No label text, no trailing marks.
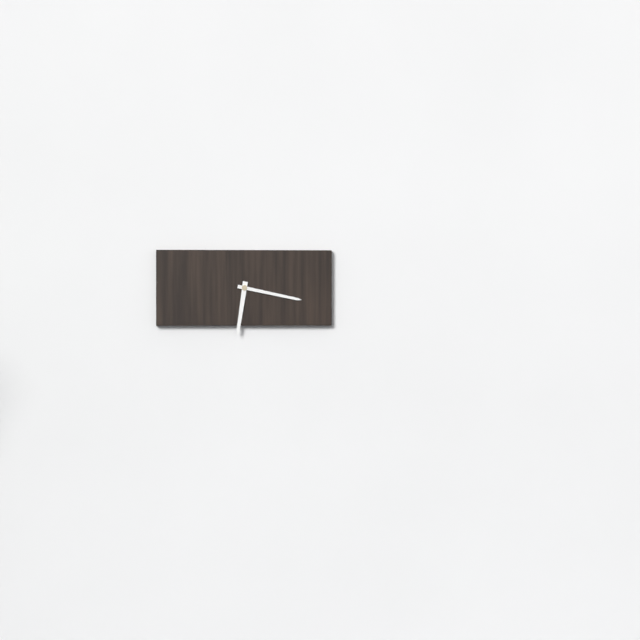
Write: 6,17
